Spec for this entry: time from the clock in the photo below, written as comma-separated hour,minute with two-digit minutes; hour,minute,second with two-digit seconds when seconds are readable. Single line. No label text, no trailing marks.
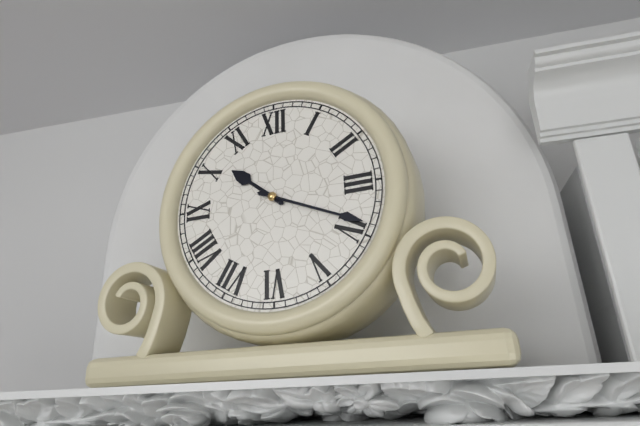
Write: 10,19
